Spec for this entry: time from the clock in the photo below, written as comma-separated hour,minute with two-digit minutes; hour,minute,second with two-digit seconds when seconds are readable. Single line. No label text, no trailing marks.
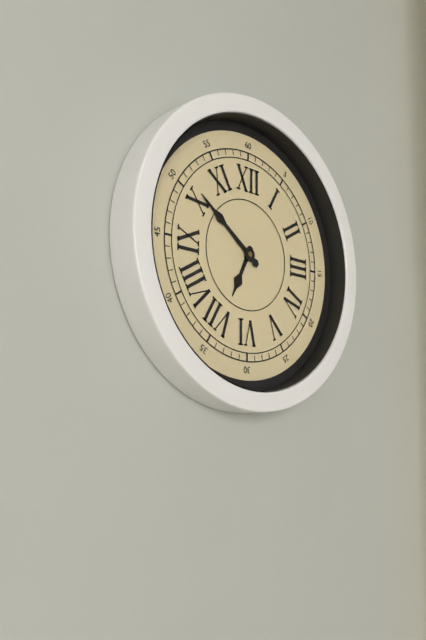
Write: 6,51
